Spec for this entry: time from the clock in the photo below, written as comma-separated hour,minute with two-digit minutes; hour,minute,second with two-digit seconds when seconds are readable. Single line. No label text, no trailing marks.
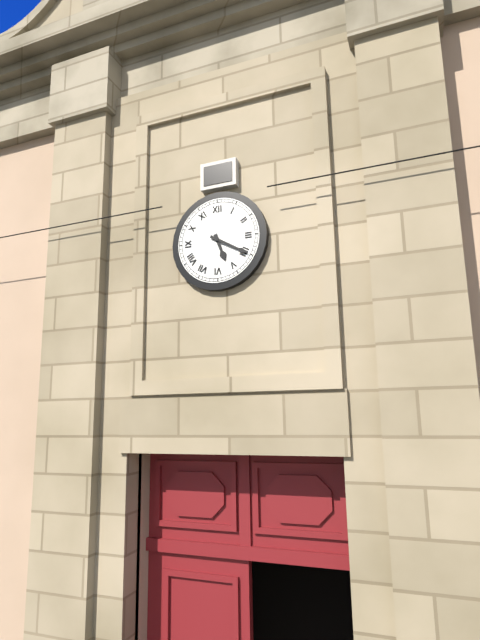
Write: 5,20
